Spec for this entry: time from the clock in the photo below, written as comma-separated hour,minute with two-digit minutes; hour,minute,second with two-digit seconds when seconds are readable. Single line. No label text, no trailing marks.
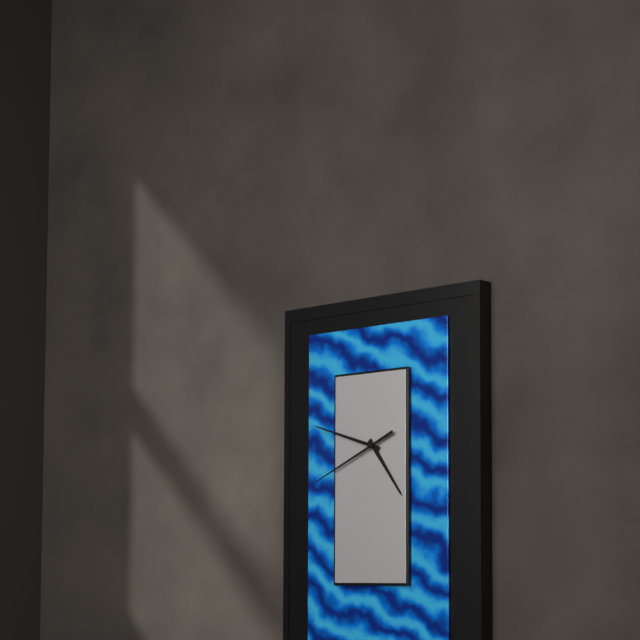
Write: 4,48,41
